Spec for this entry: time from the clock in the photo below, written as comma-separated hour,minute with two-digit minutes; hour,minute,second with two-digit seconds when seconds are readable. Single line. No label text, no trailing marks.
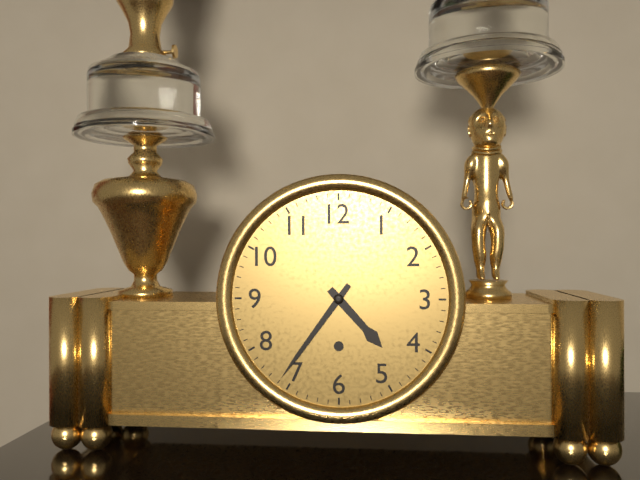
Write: 4,36
